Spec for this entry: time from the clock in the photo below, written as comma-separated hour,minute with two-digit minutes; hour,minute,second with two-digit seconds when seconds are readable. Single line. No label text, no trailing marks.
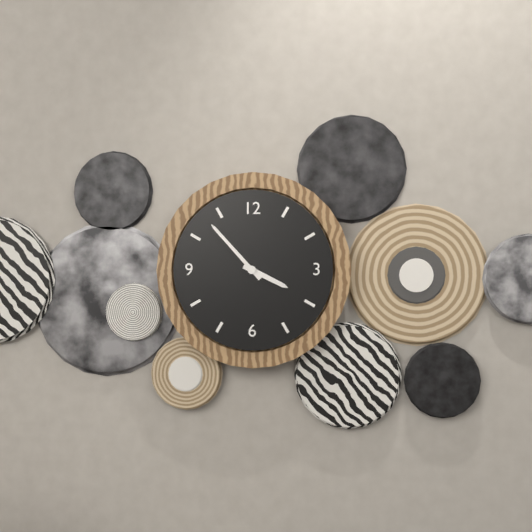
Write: 3,53
